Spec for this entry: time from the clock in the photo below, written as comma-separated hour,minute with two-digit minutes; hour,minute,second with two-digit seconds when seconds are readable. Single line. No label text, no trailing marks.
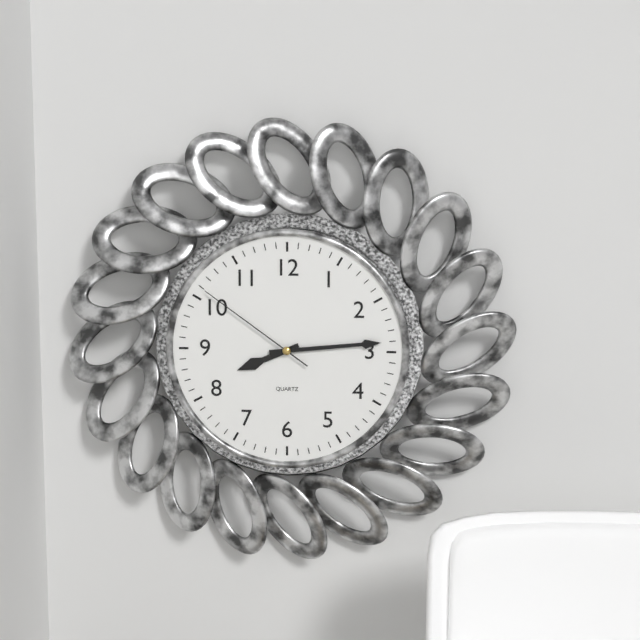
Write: 8,14,51
